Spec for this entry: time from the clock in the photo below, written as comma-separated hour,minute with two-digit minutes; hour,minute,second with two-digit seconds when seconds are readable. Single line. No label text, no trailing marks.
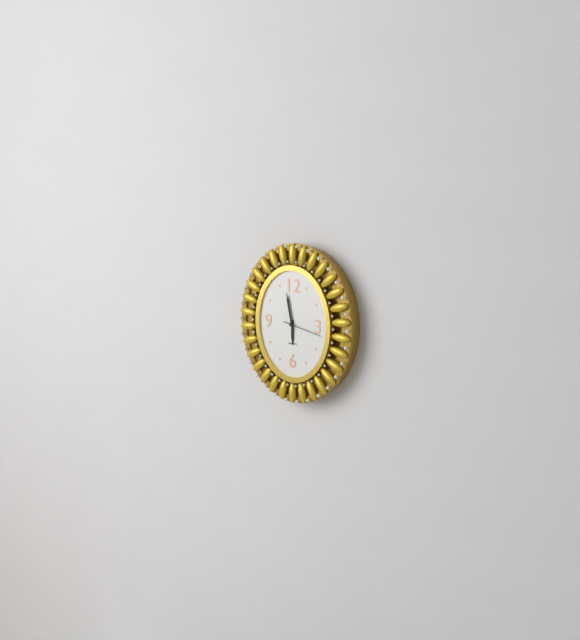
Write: 5,58
